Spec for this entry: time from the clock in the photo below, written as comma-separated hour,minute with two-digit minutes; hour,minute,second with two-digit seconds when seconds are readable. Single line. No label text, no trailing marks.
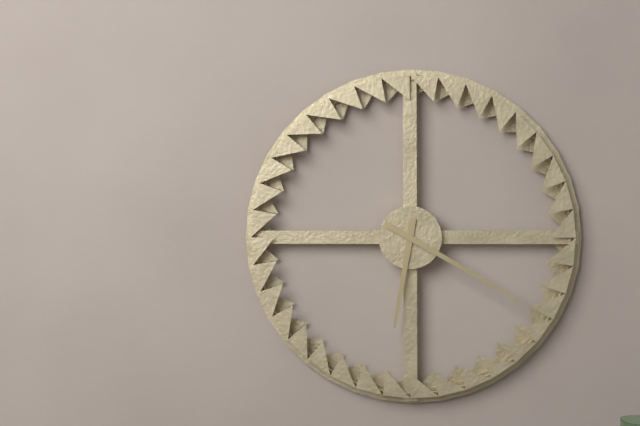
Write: 6,20
